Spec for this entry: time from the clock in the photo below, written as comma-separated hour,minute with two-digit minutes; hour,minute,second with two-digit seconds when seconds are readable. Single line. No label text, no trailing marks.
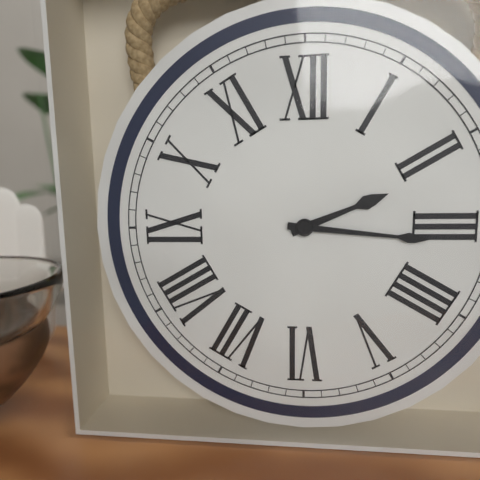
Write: 2,16
